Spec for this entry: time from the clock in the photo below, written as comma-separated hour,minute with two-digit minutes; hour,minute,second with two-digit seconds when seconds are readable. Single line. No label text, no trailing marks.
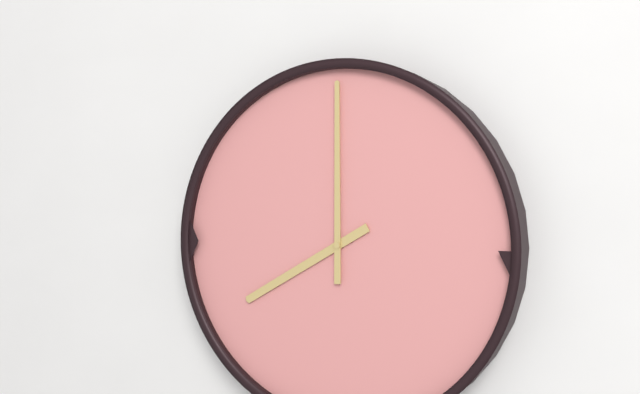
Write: 8,00
